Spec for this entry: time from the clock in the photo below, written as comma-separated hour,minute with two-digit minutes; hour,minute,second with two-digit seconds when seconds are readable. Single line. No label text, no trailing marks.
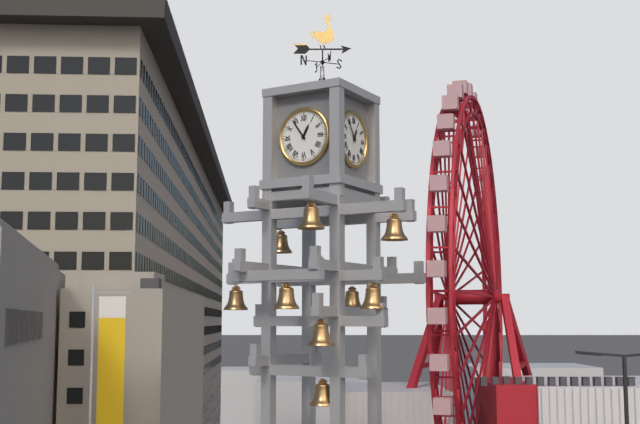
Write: 12,54
